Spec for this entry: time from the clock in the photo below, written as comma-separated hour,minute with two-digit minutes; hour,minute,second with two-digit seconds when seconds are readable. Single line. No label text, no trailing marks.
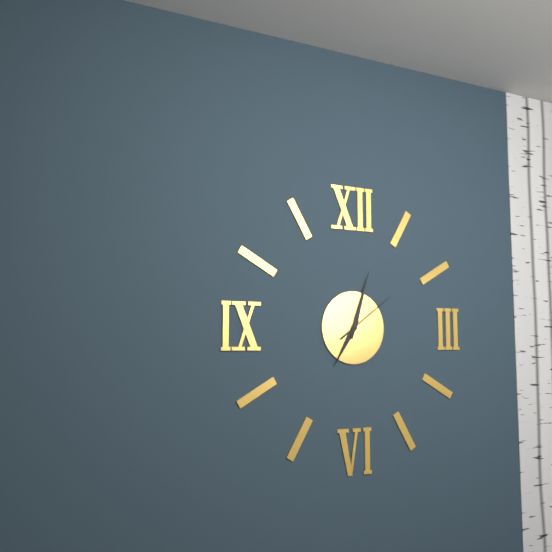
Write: 7,03,09
